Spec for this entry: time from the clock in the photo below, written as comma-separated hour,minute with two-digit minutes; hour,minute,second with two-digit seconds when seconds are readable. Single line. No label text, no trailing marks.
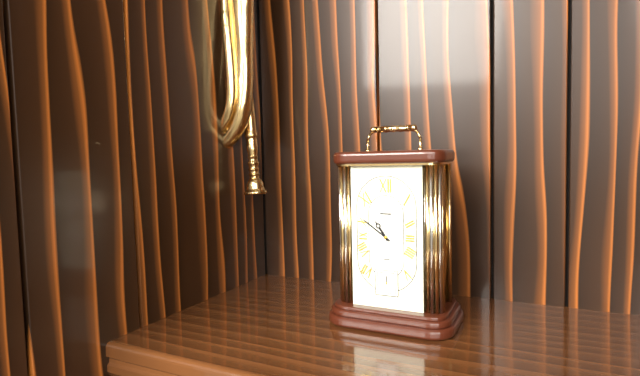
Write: 10,51
